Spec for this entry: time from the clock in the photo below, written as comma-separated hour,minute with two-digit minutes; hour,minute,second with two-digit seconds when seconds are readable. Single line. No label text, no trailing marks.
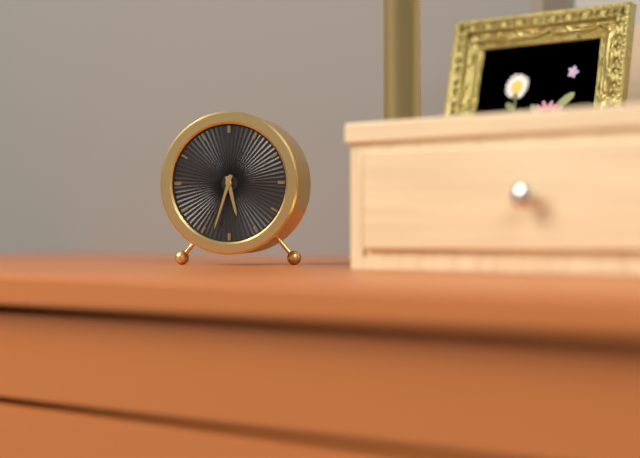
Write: 5,33
